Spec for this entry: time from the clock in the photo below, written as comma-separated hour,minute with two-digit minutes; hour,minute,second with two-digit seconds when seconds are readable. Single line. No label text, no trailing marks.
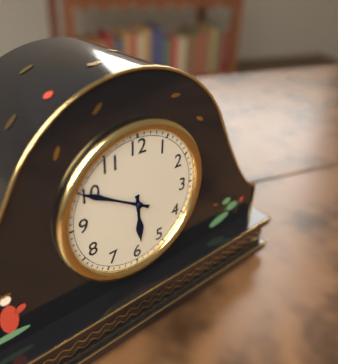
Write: 5,50
